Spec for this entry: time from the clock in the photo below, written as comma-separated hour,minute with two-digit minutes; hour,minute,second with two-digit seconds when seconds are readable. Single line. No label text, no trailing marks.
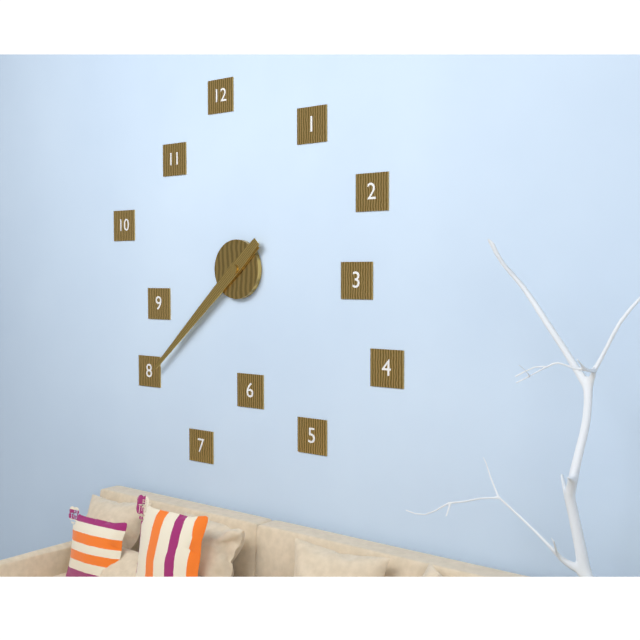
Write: 7,38
